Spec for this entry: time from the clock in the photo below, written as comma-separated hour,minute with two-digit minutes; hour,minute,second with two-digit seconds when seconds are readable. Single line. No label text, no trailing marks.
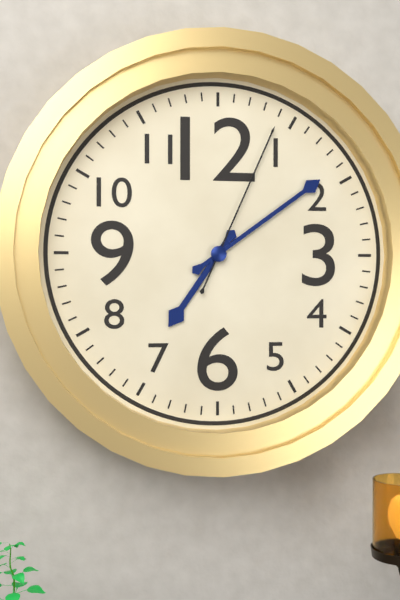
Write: 7,09,04
